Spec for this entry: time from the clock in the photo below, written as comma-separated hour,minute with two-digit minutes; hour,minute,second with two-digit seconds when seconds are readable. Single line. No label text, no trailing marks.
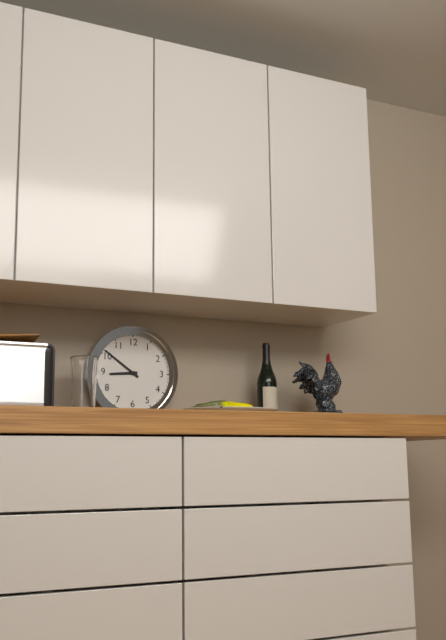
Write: 8,51
